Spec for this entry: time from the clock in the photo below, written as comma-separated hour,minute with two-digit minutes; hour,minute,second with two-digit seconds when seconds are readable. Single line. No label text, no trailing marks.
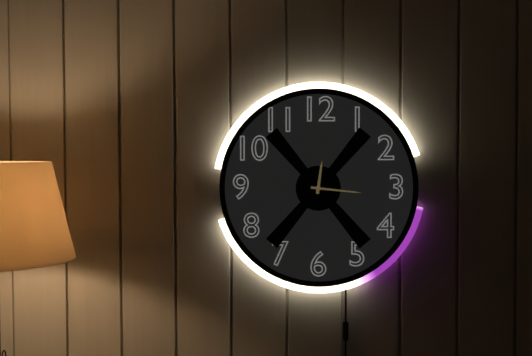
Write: 12,16
